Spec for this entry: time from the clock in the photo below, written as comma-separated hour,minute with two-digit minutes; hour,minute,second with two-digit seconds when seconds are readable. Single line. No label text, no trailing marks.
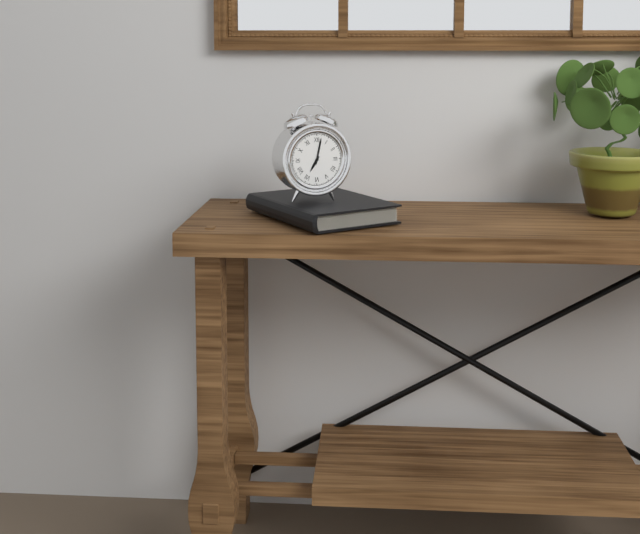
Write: 7,02
